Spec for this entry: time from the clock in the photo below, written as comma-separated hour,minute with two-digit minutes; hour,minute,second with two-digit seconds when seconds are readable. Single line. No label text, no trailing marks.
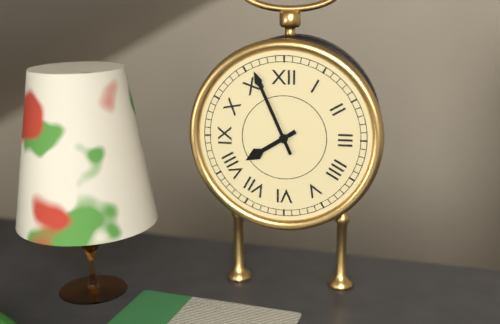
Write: 7,56
